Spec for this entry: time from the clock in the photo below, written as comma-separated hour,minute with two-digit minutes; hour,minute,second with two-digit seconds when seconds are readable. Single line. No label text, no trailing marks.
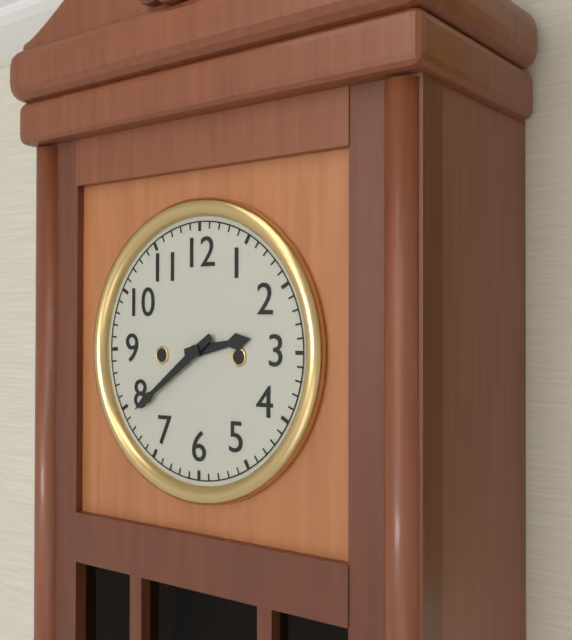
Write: 2,39
